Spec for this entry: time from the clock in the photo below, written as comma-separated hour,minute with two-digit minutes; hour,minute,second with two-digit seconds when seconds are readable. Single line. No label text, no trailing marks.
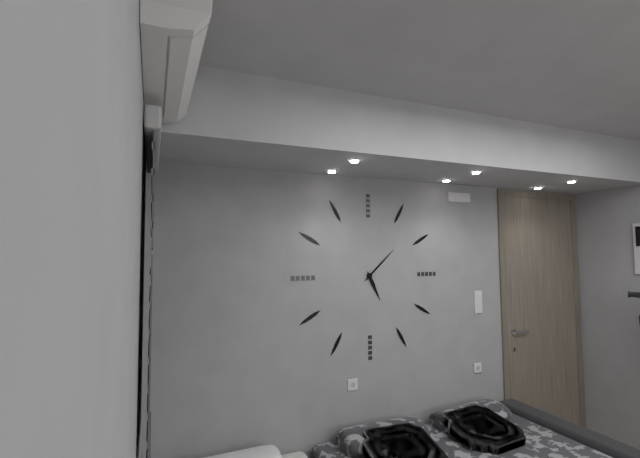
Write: 5,08
